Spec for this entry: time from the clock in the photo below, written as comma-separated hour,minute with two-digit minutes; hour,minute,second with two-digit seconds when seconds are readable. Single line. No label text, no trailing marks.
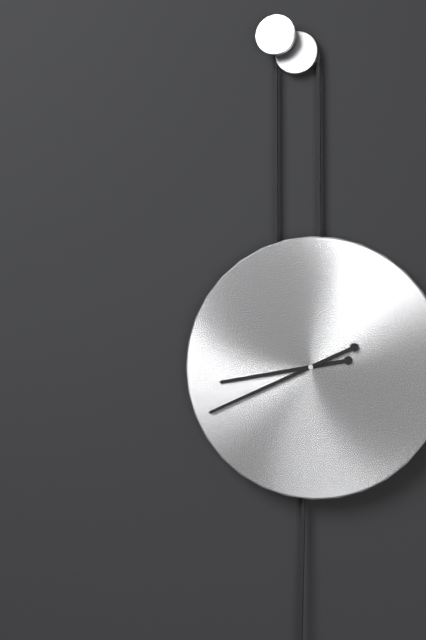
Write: 8,41
